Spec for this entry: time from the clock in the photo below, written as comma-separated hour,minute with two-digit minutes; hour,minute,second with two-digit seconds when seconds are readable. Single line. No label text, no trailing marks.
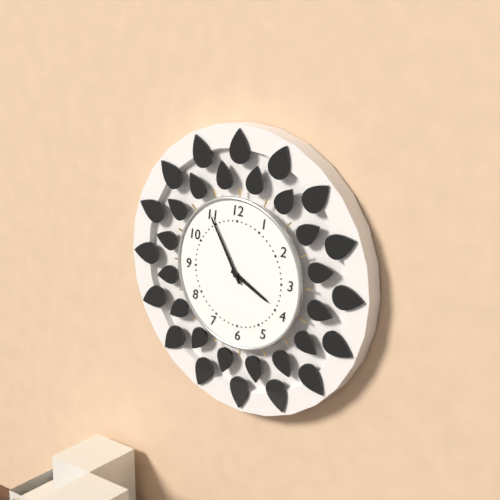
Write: 3,55
